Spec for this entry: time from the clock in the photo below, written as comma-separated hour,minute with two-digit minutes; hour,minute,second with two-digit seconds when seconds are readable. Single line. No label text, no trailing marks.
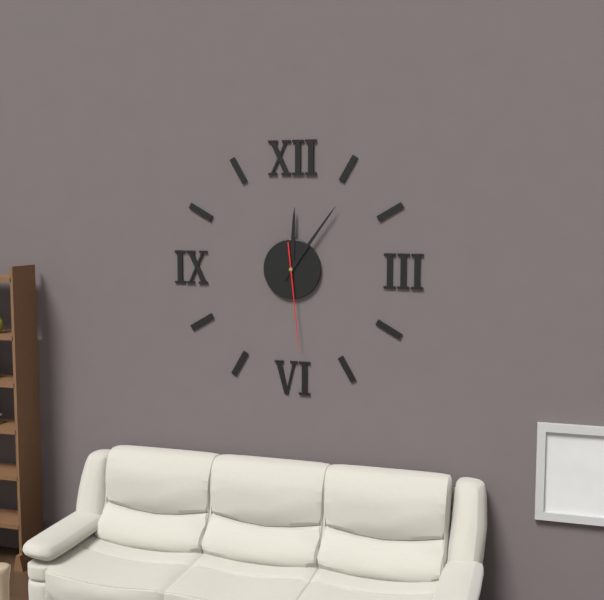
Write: 12,06,29
